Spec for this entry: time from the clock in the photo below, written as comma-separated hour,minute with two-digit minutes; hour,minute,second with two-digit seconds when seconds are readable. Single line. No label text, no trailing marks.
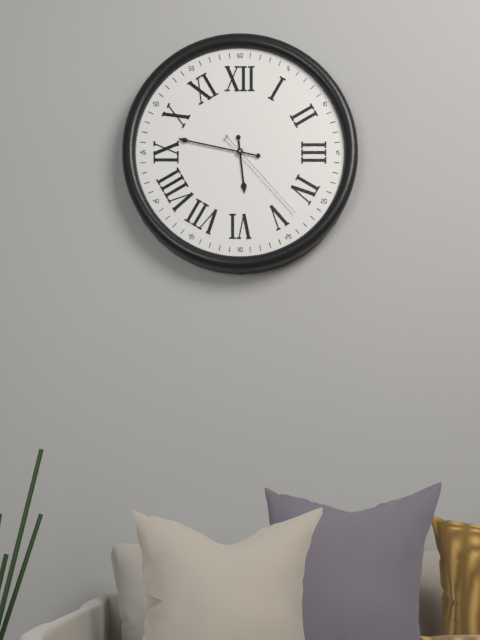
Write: 5,47,23
